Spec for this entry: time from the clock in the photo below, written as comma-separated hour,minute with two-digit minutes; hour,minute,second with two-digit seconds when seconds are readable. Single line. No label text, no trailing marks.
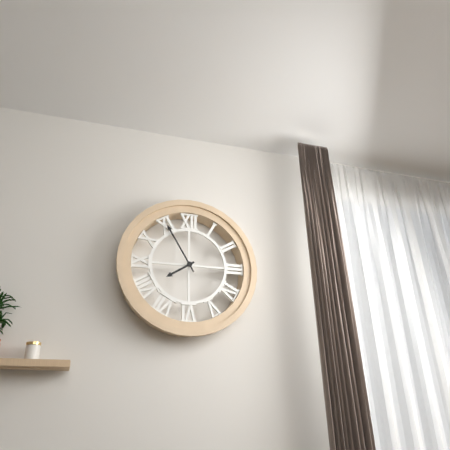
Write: 7,55
